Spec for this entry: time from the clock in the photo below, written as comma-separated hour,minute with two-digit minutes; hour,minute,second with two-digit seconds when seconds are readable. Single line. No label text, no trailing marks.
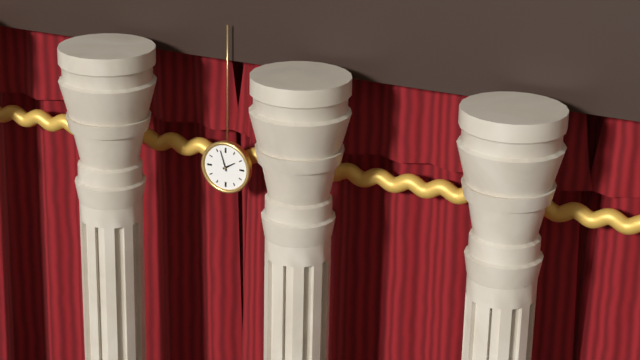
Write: 1,57
